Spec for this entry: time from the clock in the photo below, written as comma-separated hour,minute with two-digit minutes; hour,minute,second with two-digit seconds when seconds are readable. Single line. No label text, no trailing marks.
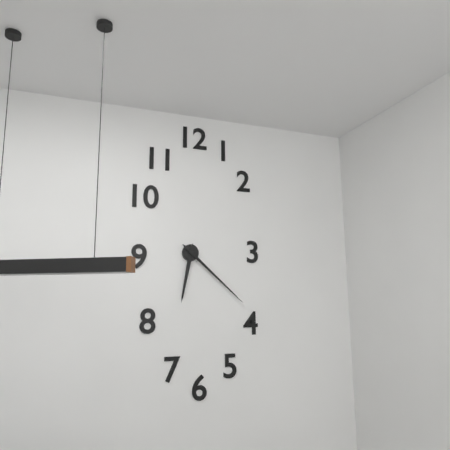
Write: 6,22
